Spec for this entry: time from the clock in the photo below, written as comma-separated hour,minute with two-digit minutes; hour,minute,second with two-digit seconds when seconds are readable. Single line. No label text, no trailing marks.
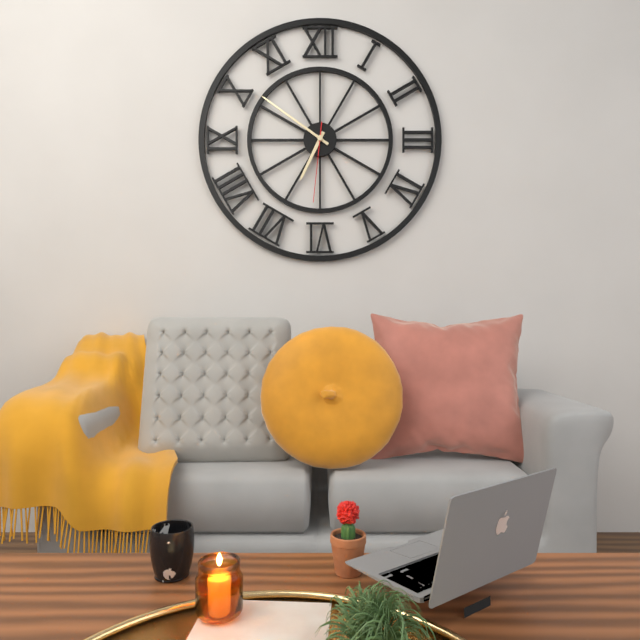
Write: 6,51,31
